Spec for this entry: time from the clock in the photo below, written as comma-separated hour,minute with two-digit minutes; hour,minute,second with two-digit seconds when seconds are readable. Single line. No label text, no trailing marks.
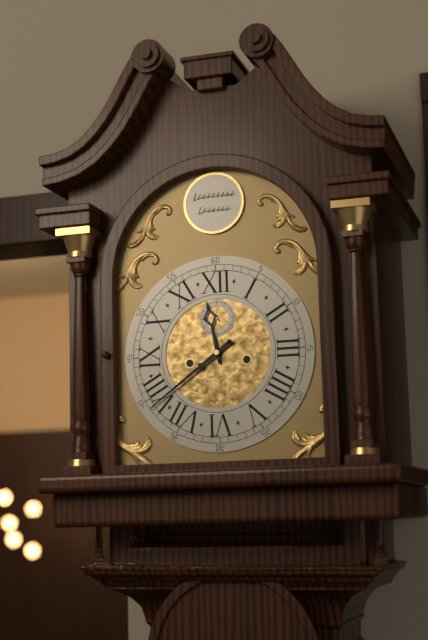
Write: 11,39,54
